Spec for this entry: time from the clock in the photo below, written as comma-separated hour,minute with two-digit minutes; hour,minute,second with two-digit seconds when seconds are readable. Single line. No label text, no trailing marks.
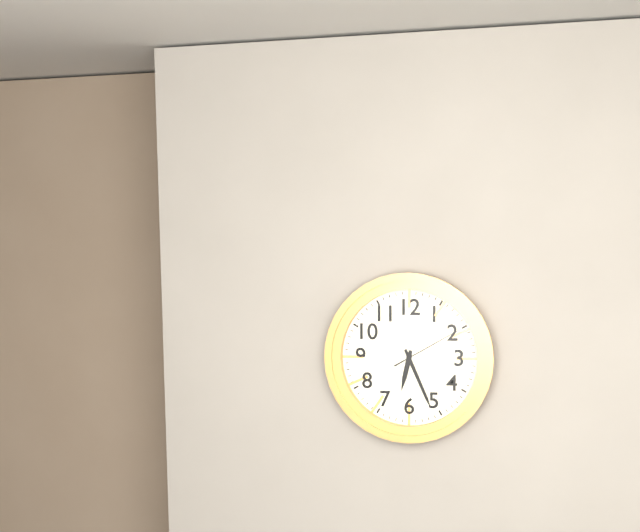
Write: 6,26,10
